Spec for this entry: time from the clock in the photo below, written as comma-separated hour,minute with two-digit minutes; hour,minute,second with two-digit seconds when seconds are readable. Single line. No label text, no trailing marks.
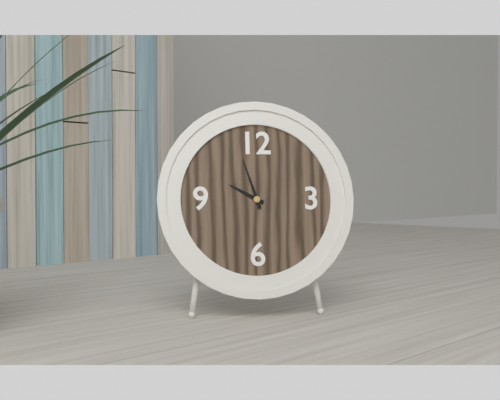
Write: 9,57
